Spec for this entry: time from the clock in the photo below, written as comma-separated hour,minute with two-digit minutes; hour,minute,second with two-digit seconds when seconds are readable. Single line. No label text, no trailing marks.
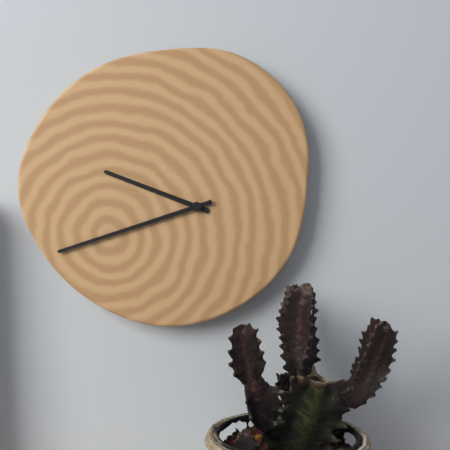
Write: 9,42
